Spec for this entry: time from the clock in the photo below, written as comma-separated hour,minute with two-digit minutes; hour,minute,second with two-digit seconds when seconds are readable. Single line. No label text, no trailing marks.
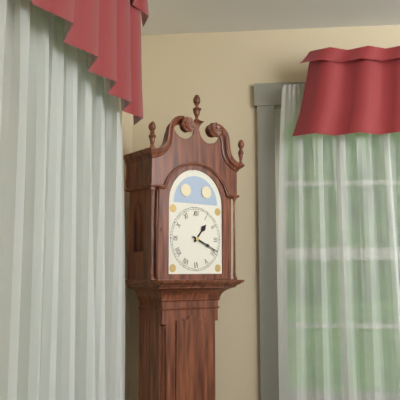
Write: 1,19
